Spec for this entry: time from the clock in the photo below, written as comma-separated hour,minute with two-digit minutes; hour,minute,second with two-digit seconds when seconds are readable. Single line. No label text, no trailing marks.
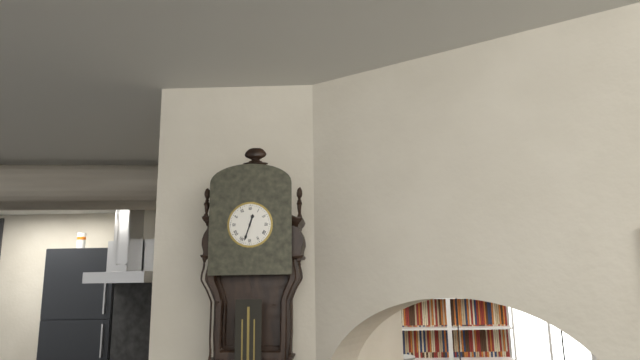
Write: 12,33
